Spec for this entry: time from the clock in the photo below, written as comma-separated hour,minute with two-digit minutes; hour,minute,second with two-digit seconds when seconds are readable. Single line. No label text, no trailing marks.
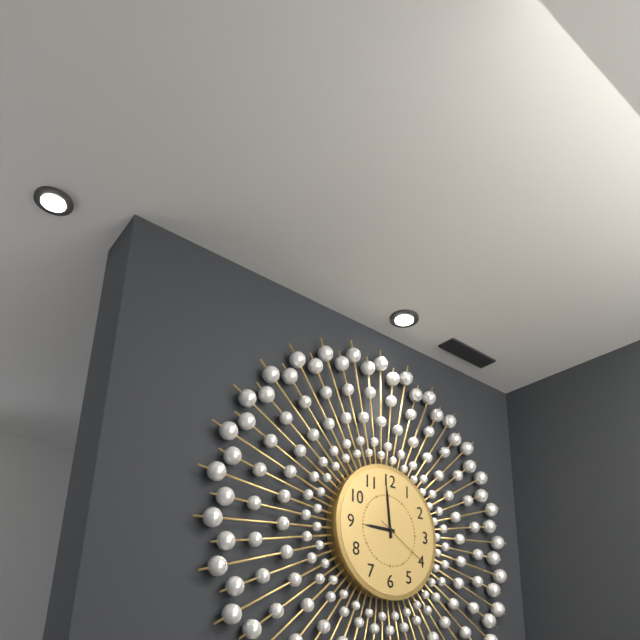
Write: 8,59,20
